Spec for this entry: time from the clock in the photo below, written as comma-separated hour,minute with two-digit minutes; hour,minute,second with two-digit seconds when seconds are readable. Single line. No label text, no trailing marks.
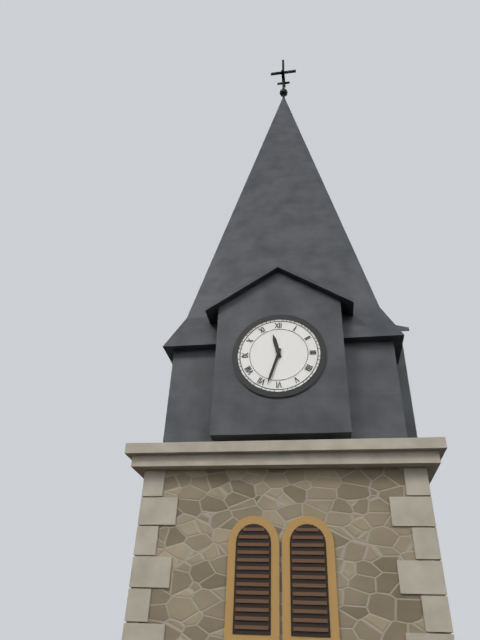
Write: 11,33
